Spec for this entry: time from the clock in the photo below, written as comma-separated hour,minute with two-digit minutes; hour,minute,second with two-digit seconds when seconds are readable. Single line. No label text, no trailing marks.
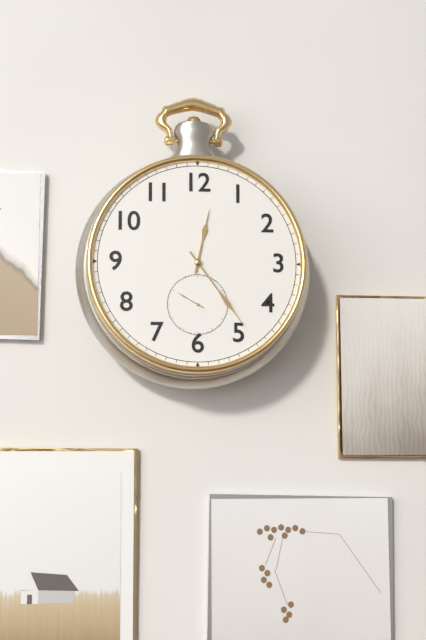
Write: 12,24
